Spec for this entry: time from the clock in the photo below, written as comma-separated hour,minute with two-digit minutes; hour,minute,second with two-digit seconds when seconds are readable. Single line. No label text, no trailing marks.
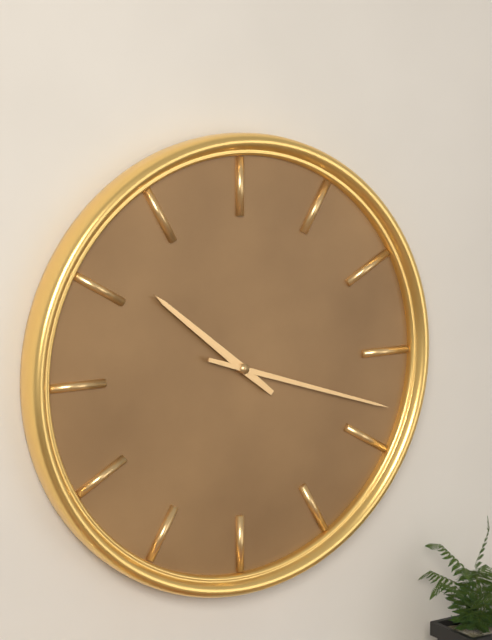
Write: 10,18
